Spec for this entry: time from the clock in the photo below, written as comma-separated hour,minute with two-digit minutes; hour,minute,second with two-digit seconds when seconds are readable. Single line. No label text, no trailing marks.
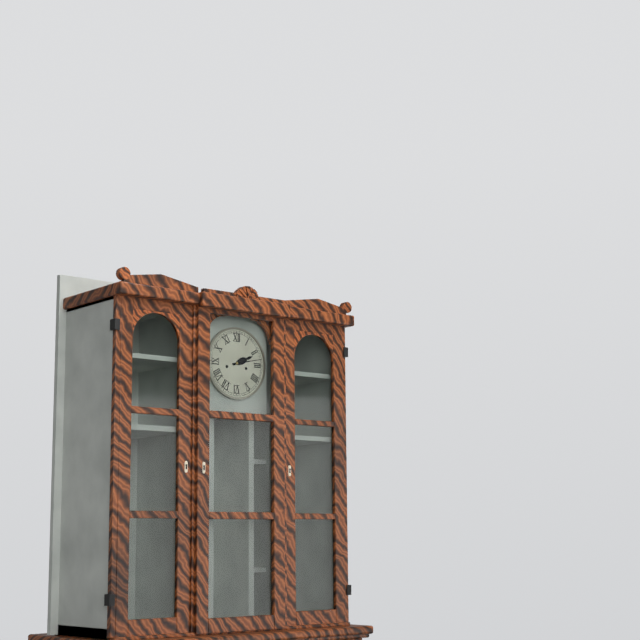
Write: 2,13
